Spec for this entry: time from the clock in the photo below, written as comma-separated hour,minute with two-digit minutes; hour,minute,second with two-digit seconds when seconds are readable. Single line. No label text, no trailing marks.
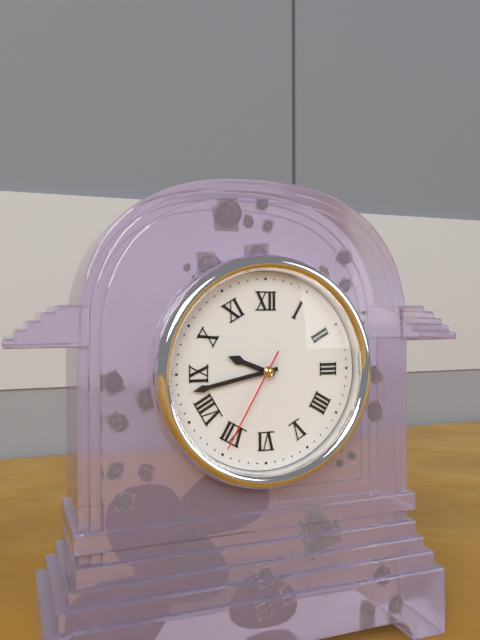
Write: 9,43,35
